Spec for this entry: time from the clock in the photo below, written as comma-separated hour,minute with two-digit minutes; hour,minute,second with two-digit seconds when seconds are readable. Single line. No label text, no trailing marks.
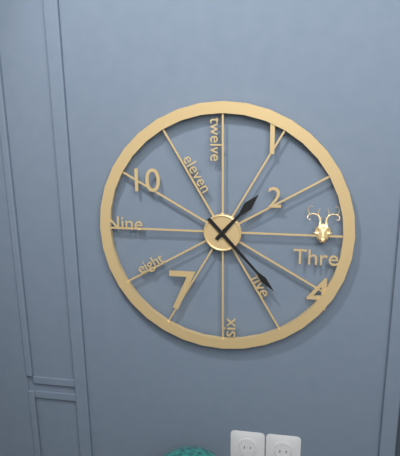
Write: 1,23
